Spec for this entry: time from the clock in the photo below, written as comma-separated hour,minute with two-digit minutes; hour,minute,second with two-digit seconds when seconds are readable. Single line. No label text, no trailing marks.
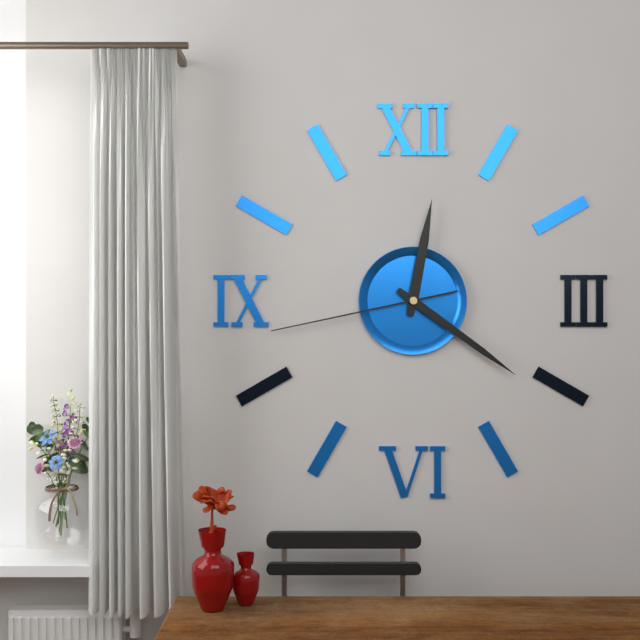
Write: 12,21,43
